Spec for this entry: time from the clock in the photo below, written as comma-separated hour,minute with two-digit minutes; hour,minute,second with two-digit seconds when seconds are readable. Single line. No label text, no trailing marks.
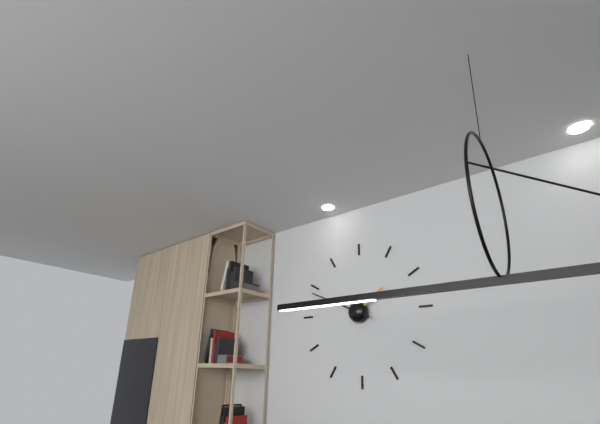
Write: 1,49
